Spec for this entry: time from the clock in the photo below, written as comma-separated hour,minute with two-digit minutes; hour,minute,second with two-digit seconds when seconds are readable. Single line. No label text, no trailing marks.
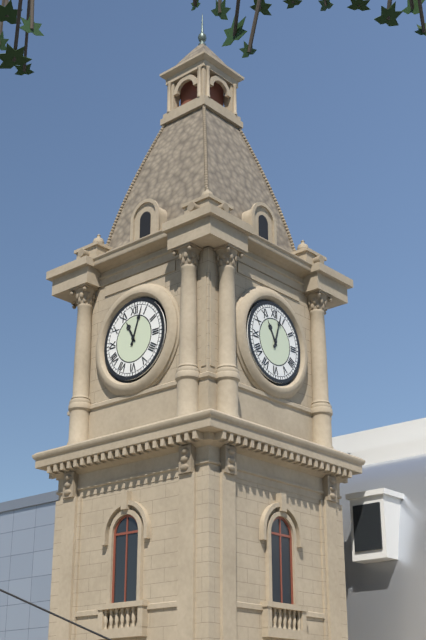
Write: 11,03
